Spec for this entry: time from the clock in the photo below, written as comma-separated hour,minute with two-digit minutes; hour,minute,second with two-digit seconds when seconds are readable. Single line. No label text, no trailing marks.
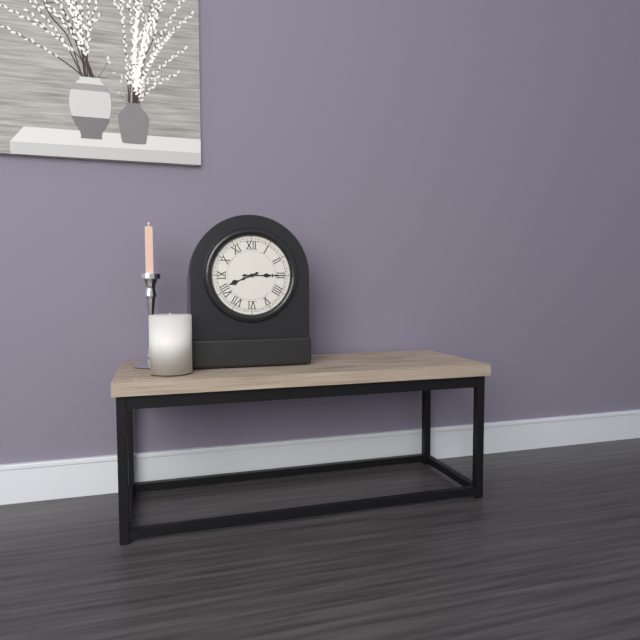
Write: 8,15
